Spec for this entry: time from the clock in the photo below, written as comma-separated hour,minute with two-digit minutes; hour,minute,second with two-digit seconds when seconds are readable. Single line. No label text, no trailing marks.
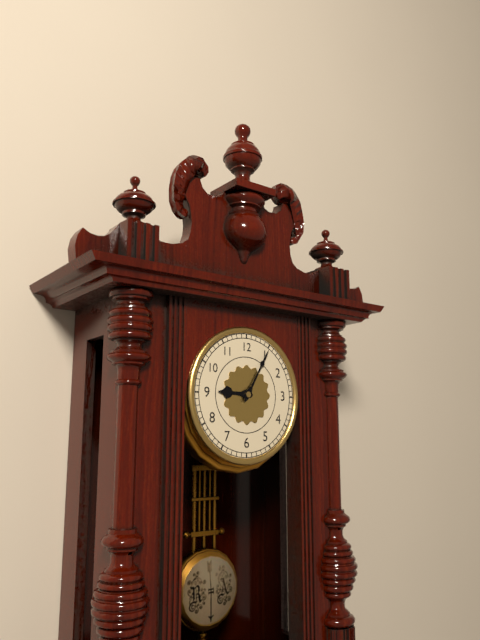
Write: 9,05
